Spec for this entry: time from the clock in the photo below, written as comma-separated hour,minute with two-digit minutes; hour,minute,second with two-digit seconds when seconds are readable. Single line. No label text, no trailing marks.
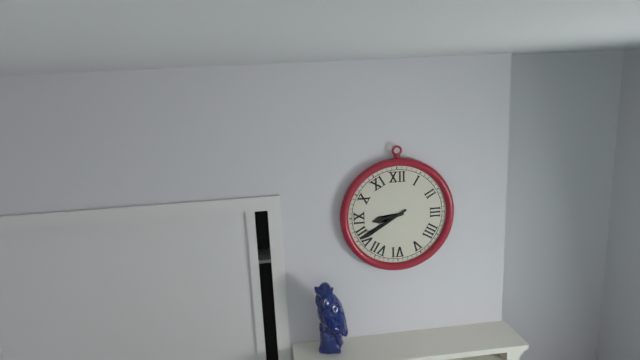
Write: 8,40
